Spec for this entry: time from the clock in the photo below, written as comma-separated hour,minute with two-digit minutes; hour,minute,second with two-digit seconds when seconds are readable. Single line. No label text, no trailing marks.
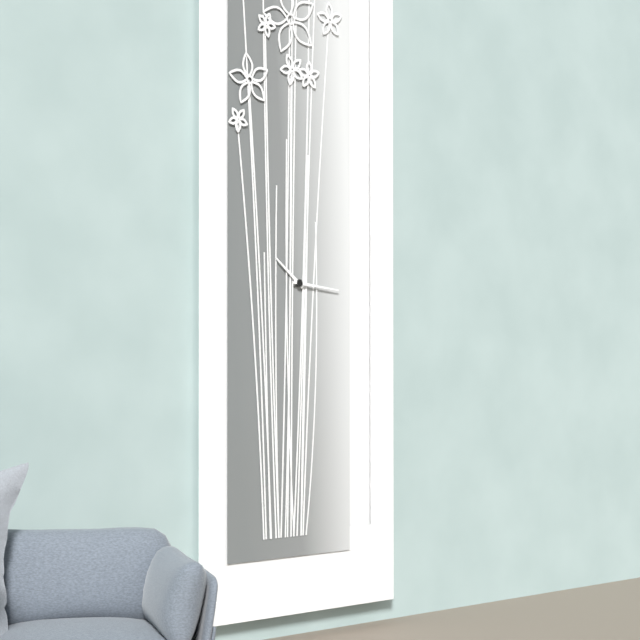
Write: 10,16
